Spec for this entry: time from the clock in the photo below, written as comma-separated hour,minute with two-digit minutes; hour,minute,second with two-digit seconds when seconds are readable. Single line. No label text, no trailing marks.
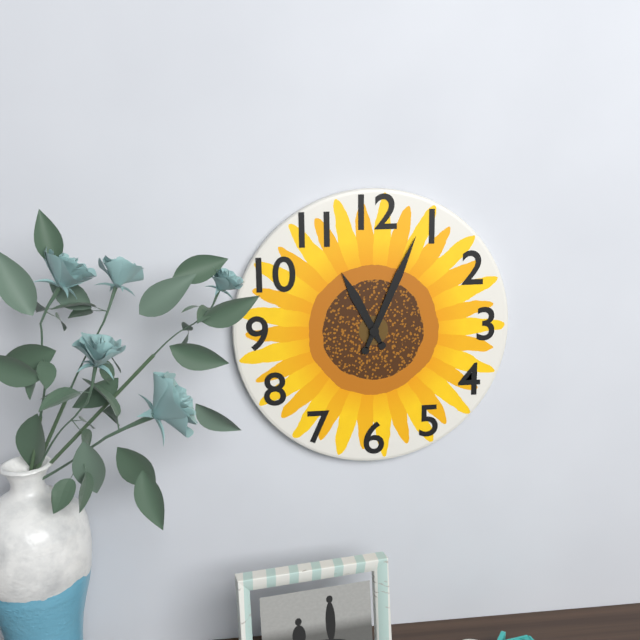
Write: 11,04
